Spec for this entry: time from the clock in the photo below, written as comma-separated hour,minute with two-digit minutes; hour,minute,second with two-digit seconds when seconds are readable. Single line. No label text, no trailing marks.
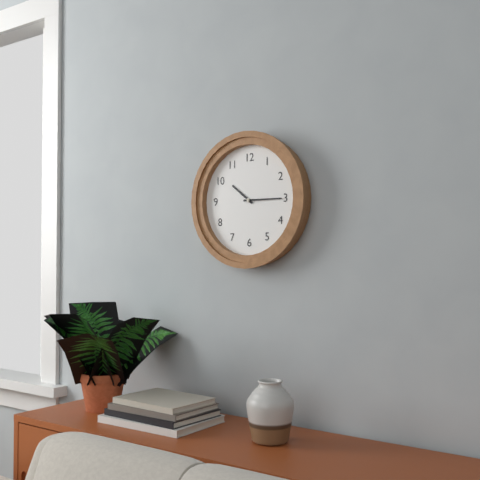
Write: 10,15
